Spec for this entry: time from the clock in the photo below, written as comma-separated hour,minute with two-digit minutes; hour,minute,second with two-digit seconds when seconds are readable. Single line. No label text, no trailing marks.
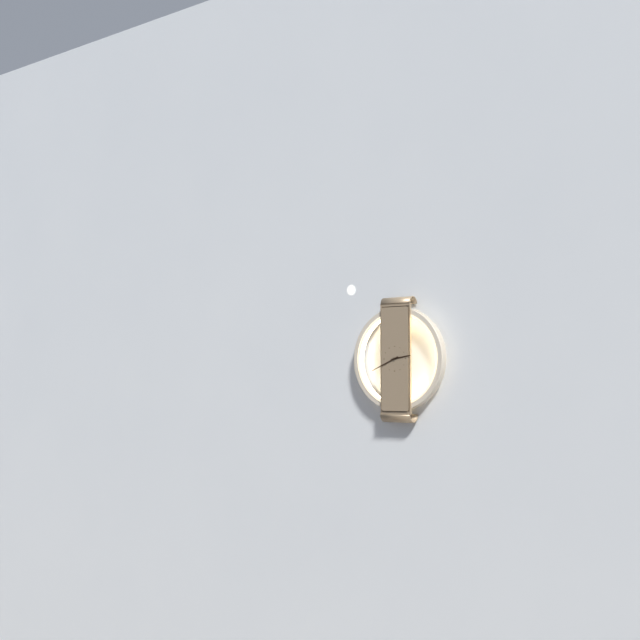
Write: 2,41
